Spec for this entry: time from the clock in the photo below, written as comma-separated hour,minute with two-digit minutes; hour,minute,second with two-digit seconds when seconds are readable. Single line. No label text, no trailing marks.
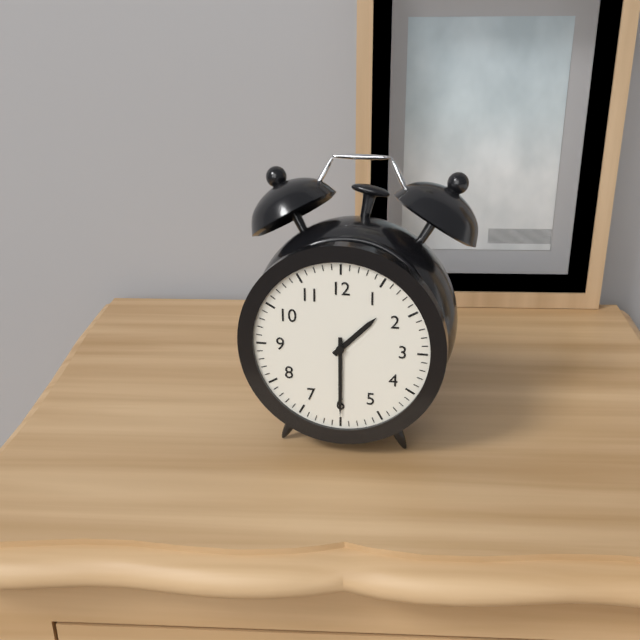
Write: 1,30
